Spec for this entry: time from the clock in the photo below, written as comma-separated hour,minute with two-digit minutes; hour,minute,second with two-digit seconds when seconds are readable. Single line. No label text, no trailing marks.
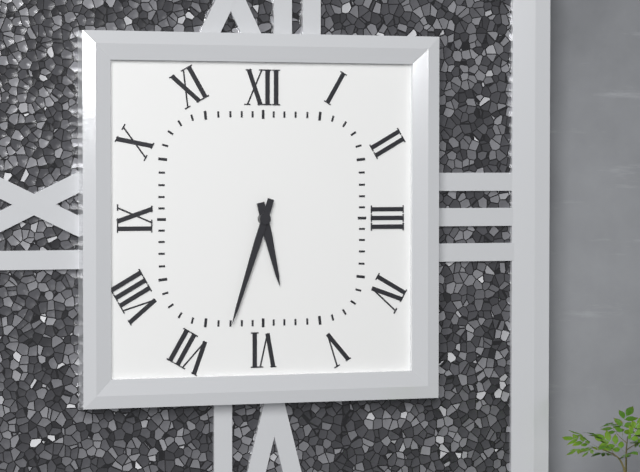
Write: 5,33
